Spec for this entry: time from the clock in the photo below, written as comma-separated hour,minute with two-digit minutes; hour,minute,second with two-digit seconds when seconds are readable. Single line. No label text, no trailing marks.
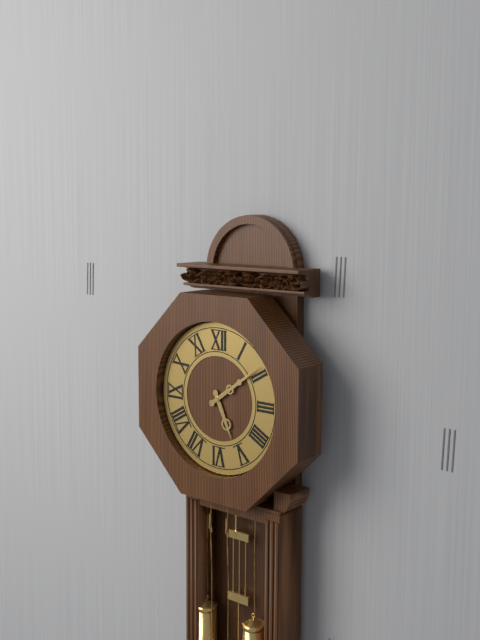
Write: 5,09
